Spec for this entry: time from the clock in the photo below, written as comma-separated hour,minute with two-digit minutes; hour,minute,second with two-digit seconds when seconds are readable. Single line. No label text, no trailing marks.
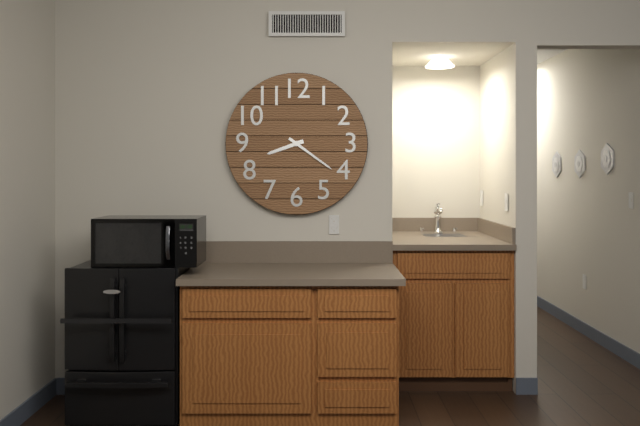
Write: 8,21
